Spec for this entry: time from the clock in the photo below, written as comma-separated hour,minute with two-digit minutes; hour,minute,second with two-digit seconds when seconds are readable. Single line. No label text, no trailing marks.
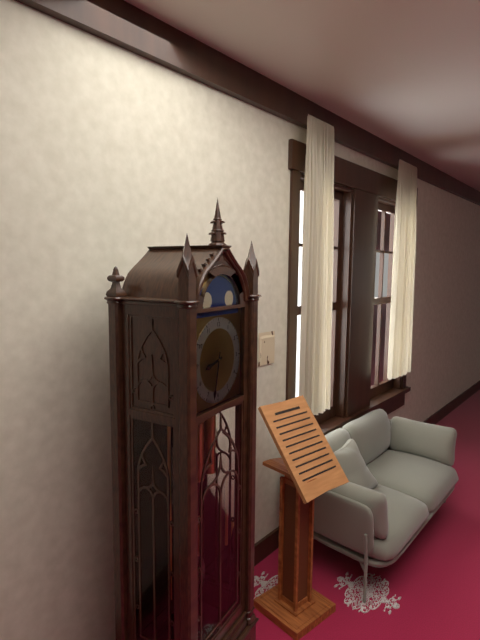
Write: 8,32
